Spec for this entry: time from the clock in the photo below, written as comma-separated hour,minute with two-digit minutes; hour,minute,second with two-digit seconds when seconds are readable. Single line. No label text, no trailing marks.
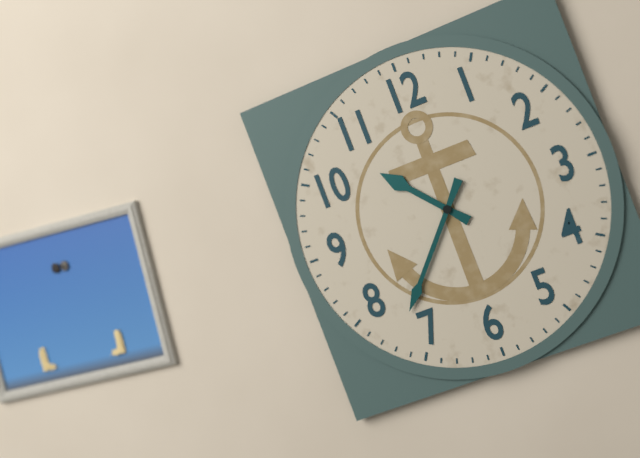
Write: 10,37
